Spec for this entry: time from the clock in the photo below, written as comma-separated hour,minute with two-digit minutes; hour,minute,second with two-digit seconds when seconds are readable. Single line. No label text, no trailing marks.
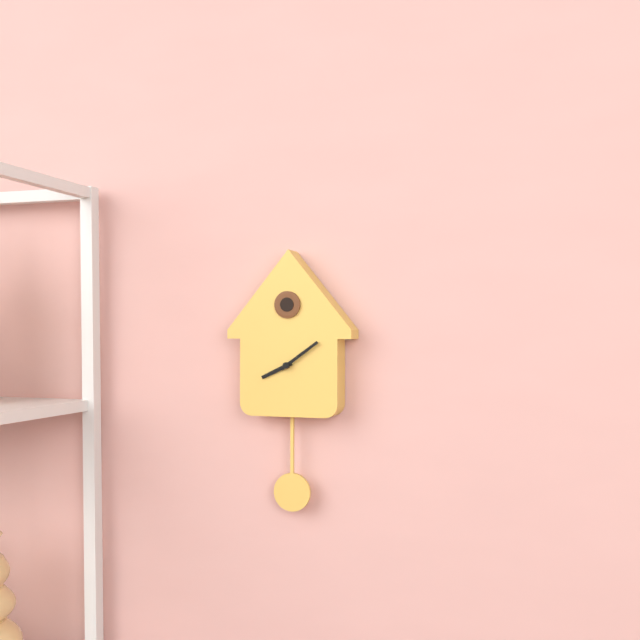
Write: 8,09
